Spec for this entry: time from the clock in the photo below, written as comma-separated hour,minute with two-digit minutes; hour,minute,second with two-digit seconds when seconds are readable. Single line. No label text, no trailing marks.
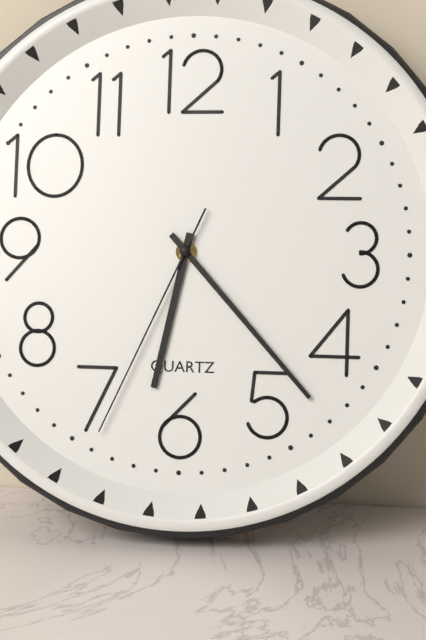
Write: 6,23,34
